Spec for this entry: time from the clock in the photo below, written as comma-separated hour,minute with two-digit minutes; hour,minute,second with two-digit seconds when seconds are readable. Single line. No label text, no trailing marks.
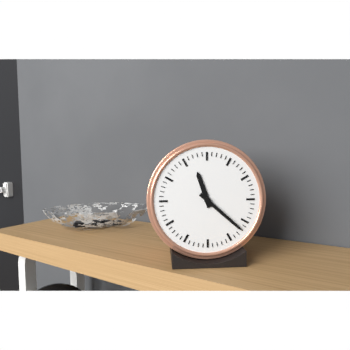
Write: 11,22
